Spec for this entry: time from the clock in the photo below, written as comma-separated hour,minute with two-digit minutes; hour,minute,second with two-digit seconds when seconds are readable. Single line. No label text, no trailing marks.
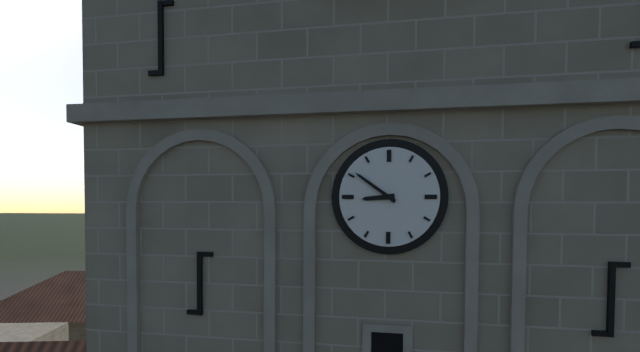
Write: 8,51
